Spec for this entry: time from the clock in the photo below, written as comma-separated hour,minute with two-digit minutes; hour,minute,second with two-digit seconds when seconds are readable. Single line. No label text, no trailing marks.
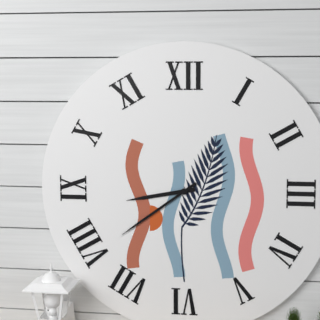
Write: 8,39
